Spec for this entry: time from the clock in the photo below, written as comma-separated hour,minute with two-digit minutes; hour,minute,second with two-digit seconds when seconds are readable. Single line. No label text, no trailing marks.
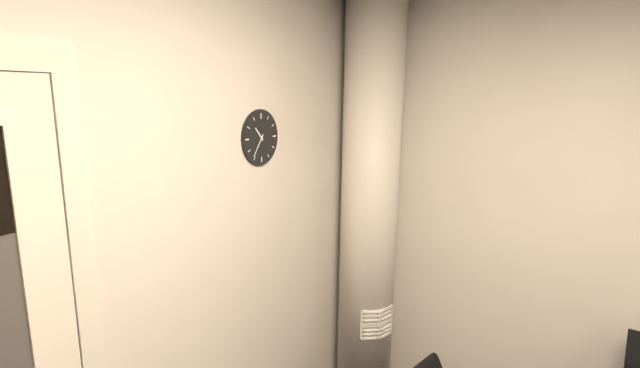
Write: 10,36
